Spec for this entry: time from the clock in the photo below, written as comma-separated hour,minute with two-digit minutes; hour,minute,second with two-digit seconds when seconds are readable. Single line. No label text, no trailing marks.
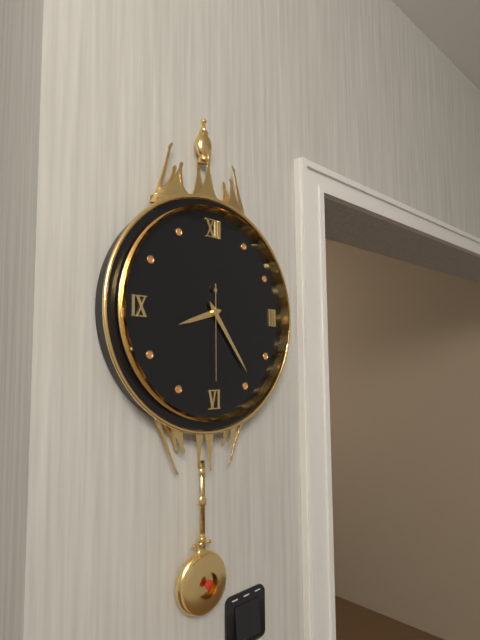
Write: 8,24,30
